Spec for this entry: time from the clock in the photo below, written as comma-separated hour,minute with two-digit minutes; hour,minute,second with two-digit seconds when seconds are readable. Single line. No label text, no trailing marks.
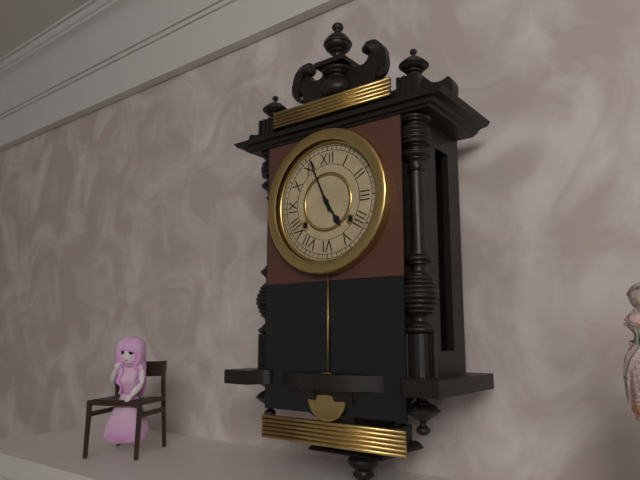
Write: 4,56
